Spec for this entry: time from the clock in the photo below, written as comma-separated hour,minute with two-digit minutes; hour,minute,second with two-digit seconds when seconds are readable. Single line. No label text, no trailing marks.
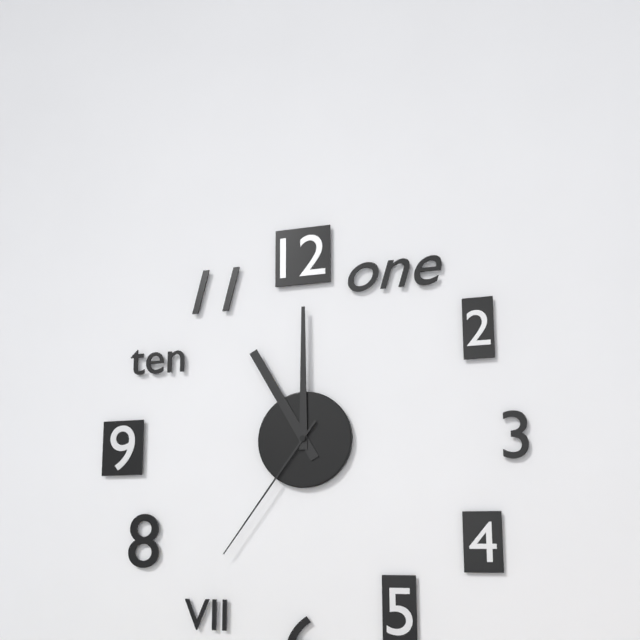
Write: 11,00,36
